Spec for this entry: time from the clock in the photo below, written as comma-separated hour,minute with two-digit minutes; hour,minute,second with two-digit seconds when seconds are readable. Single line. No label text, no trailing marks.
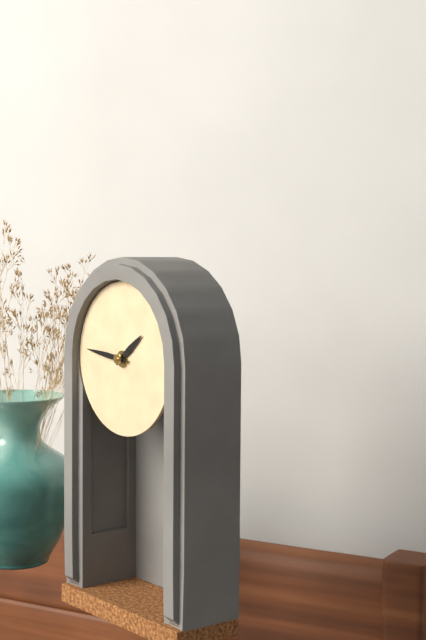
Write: 1,46
